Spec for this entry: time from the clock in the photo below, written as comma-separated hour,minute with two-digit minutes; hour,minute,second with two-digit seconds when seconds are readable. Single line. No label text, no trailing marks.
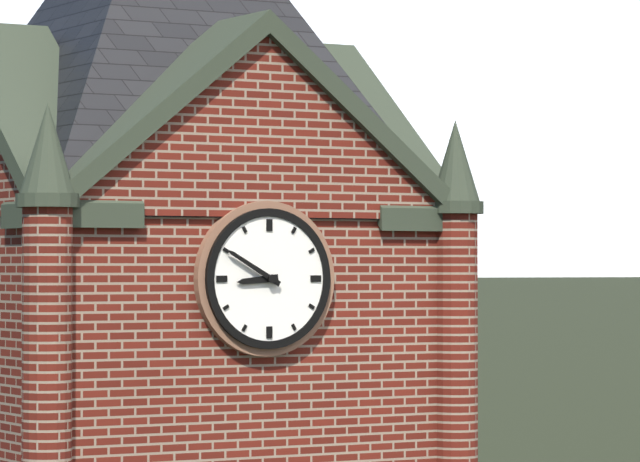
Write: 8,50
